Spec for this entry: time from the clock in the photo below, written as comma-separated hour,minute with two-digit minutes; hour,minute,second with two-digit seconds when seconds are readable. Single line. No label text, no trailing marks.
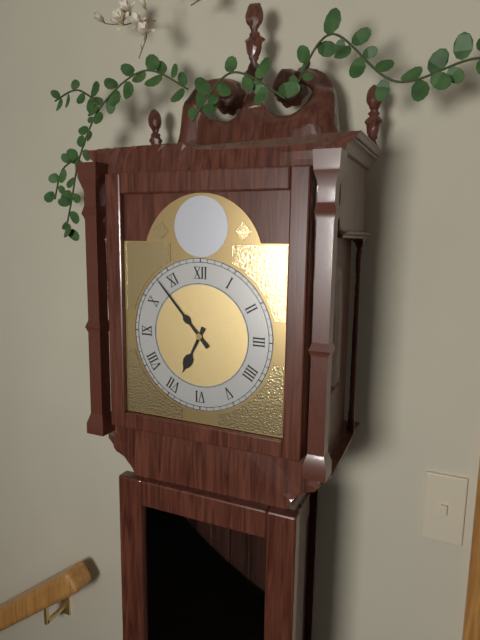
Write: 6,53
